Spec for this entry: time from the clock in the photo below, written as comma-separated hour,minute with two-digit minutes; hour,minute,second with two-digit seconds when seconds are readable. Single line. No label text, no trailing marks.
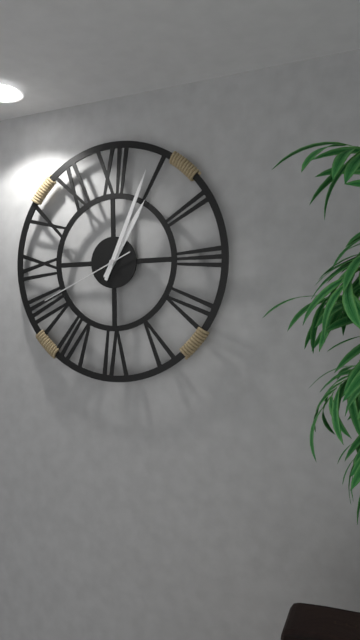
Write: 1,04,41
